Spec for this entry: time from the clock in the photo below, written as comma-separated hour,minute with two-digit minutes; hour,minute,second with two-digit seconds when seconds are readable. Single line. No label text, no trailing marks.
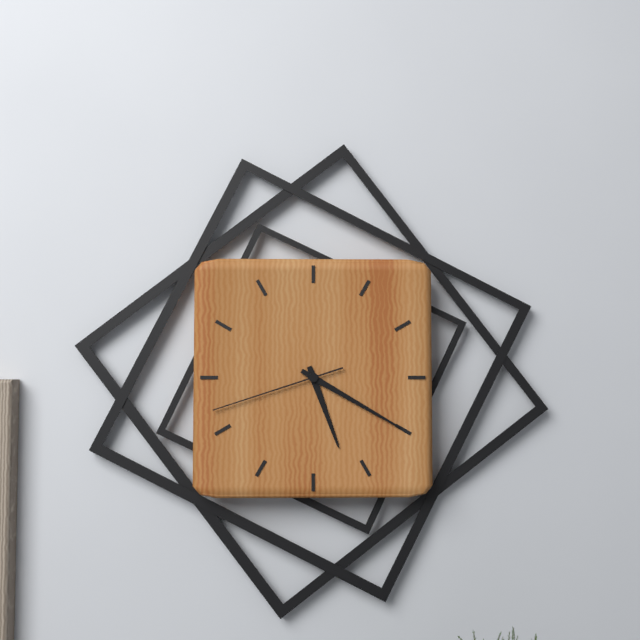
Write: 5,20,42
